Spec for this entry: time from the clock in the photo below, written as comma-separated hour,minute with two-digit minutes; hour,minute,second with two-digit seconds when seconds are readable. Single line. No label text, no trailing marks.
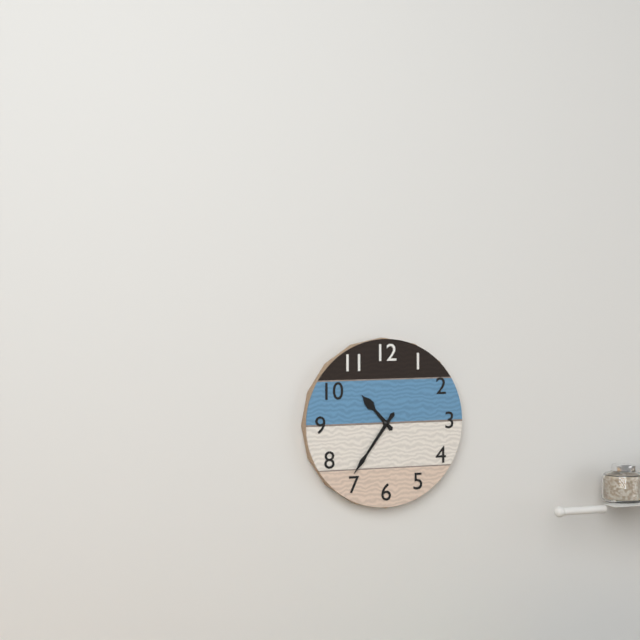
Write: 10,36
